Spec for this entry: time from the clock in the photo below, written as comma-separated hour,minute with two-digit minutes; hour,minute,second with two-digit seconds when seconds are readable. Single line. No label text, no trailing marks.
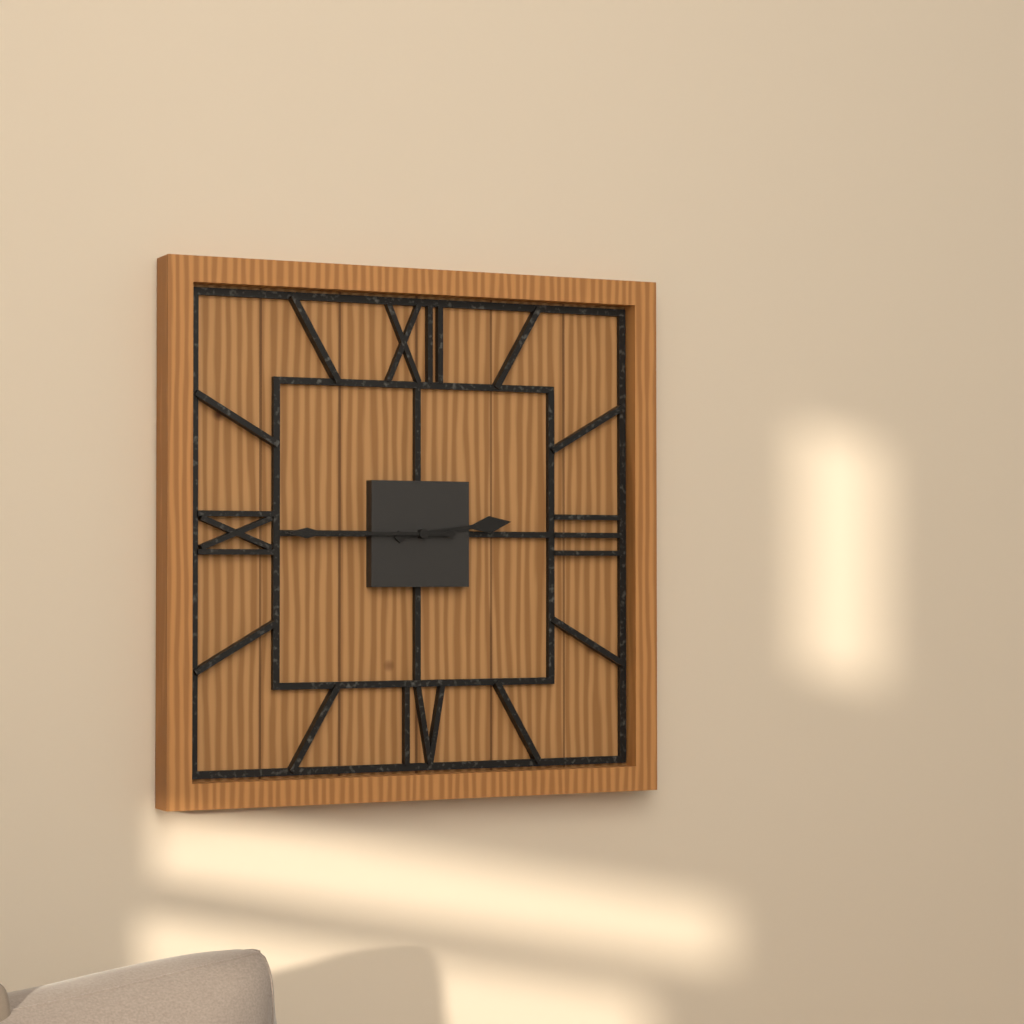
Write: 2,45
